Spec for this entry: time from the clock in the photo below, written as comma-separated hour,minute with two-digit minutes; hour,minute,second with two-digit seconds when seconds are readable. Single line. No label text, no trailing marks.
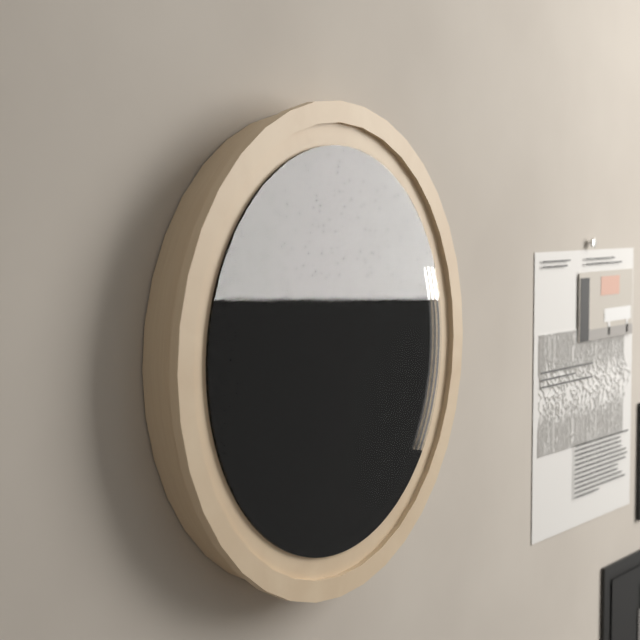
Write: 7,11
